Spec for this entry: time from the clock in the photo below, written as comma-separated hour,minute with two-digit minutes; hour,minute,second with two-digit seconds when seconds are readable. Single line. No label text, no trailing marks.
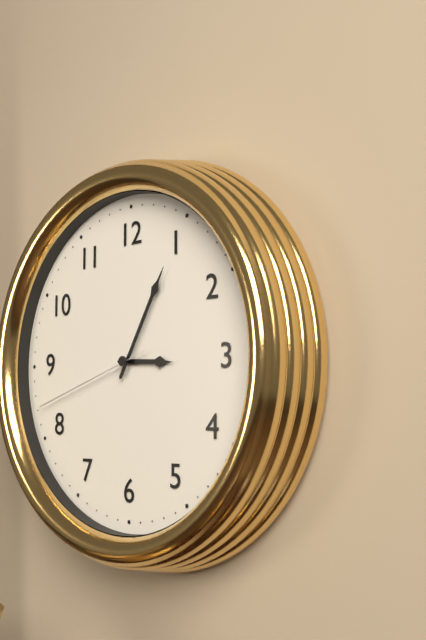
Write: 3,05,42
